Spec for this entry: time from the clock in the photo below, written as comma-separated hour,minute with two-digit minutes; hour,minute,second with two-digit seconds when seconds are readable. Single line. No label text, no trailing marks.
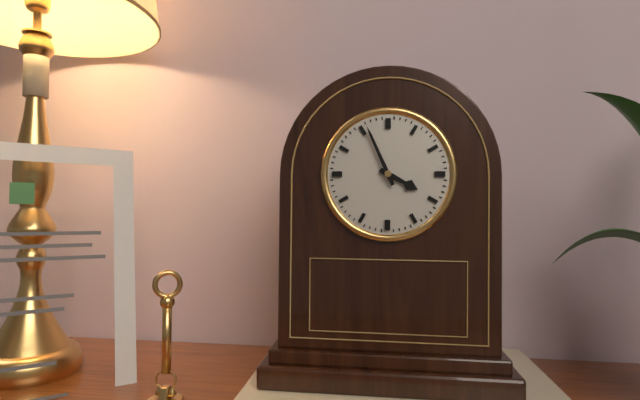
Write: 3,56
